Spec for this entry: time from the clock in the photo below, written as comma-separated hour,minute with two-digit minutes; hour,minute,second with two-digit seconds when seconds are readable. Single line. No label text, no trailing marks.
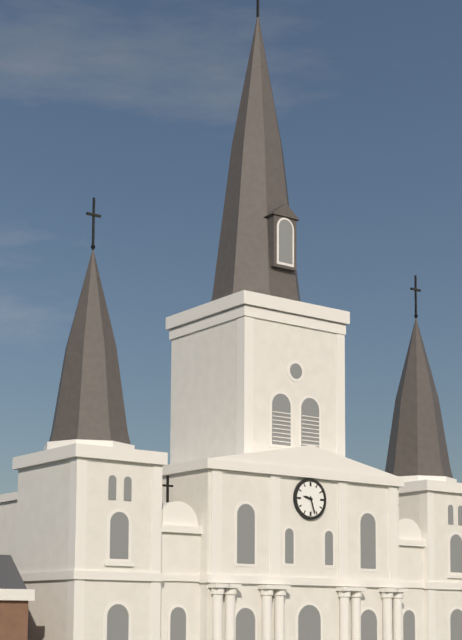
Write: 9,27
